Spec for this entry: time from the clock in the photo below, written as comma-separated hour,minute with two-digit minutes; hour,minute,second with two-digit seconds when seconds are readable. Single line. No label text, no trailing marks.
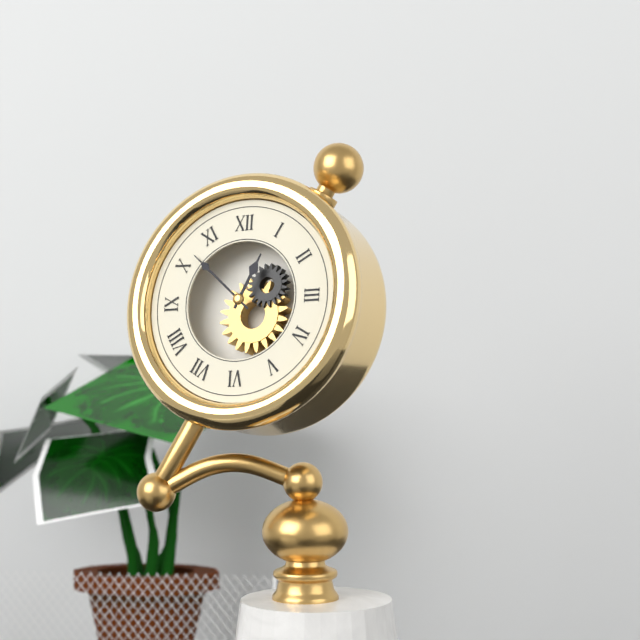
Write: 12,52
